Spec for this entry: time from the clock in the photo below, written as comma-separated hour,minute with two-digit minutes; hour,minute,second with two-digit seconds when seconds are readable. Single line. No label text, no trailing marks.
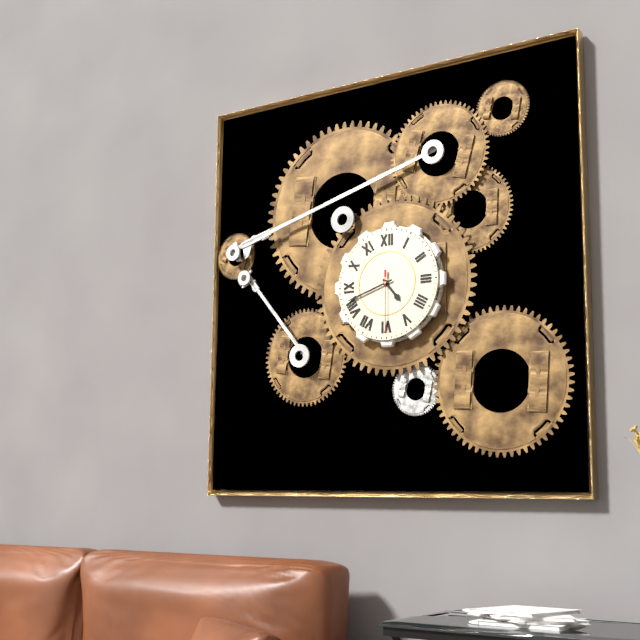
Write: 4,42,30
